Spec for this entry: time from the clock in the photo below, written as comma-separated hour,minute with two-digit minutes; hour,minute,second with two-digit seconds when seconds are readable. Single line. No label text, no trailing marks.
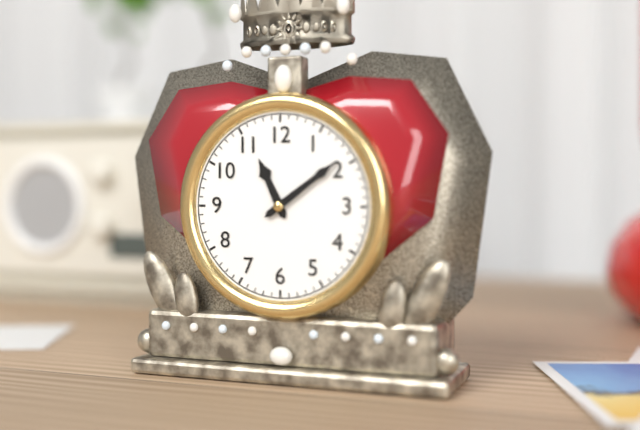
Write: 11,09
